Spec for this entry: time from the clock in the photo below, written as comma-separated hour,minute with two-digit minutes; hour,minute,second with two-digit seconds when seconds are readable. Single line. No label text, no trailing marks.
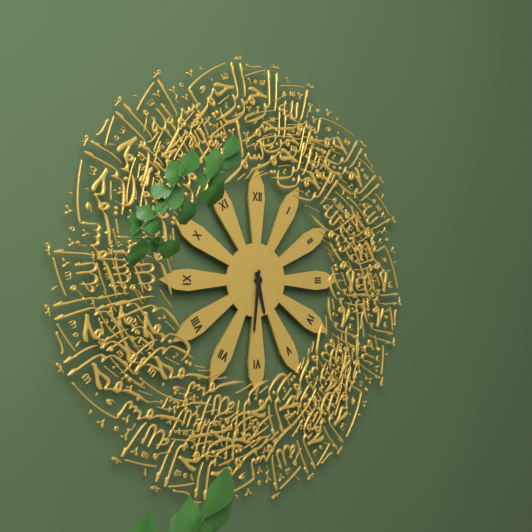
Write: 5,31
